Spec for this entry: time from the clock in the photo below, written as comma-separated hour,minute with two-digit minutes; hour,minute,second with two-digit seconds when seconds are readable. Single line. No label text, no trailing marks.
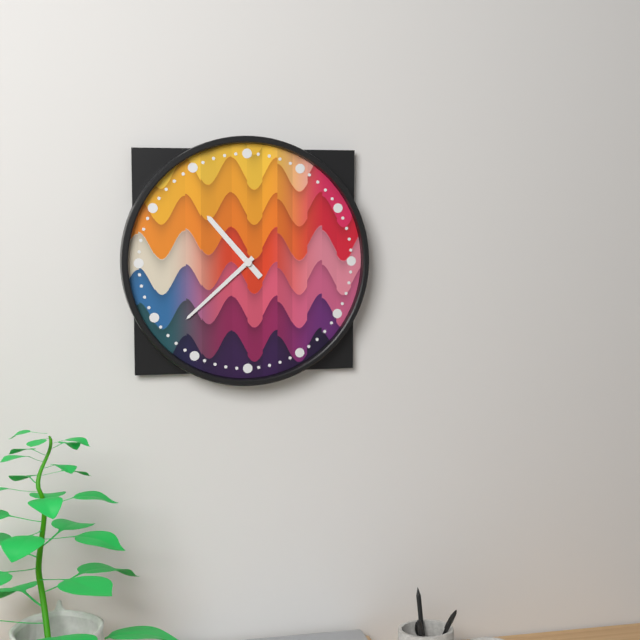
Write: 10,38
